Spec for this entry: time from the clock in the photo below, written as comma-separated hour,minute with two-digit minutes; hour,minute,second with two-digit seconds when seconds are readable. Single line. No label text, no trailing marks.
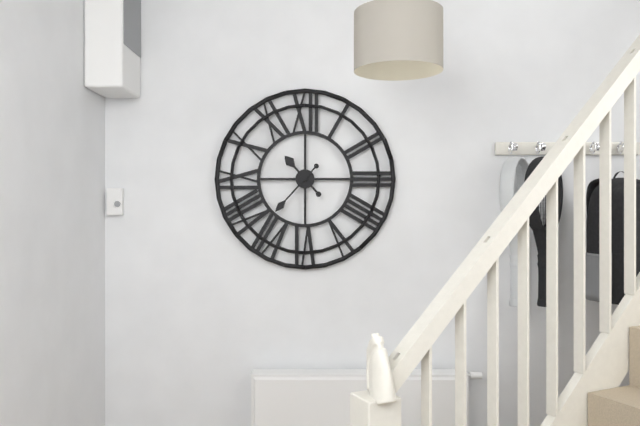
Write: 10,37
